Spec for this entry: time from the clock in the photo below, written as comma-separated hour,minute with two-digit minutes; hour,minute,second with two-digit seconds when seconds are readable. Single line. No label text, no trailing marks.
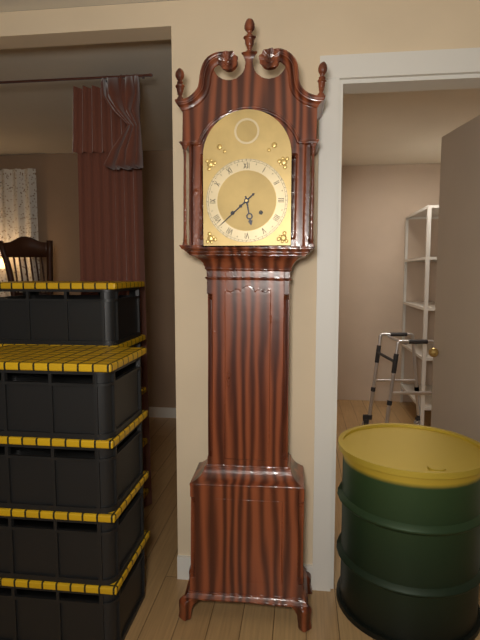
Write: 5,38
